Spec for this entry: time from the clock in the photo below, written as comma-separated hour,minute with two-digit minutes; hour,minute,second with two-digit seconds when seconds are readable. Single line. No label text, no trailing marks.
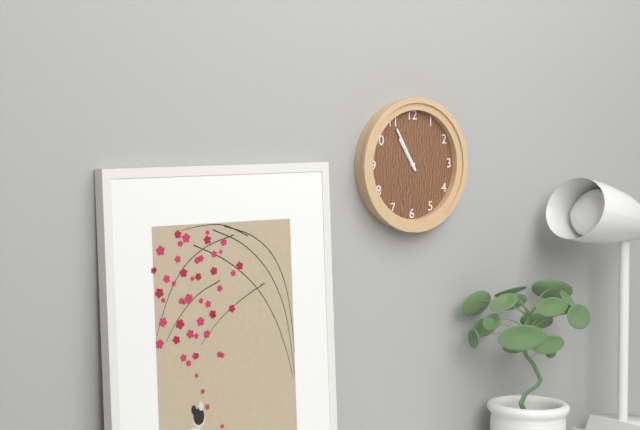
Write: 10,55
